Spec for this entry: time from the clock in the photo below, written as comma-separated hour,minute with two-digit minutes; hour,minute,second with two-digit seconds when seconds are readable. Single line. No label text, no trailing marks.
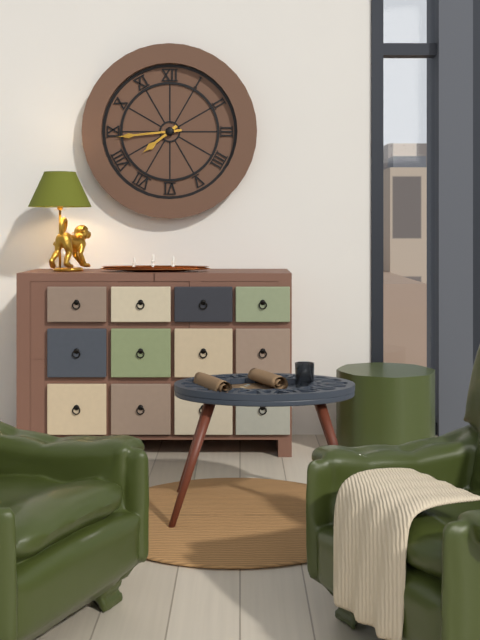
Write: 7,44
